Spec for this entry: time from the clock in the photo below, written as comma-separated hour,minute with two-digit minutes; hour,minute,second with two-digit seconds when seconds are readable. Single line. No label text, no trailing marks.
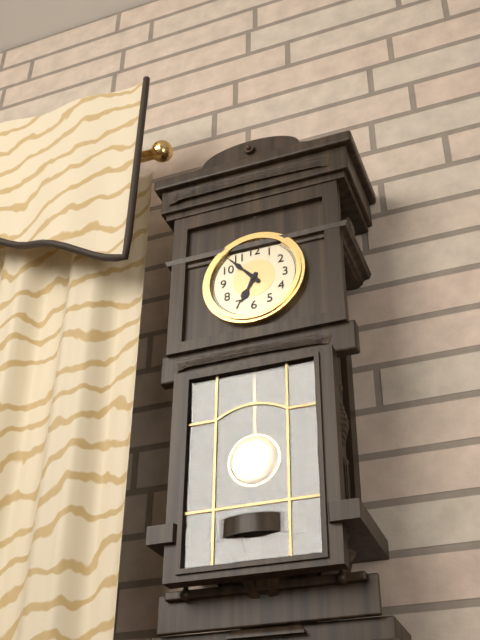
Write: 6,53
